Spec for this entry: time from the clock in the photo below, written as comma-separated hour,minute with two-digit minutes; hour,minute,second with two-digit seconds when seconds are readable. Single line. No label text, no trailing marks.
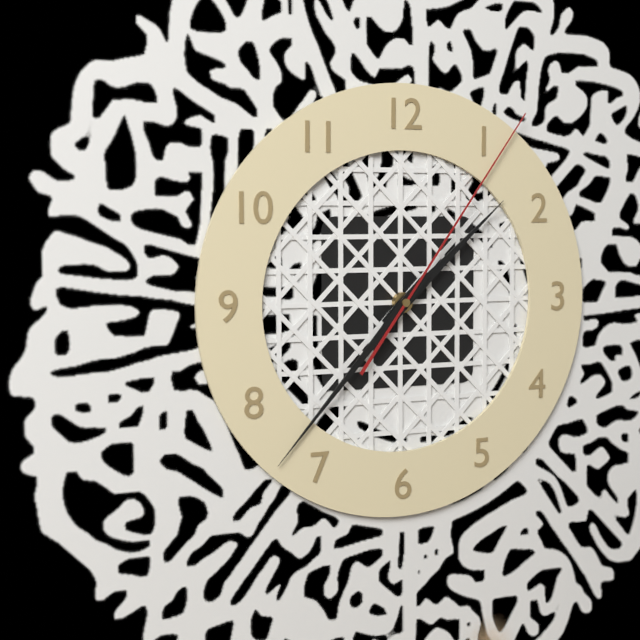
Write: 1,37,06
